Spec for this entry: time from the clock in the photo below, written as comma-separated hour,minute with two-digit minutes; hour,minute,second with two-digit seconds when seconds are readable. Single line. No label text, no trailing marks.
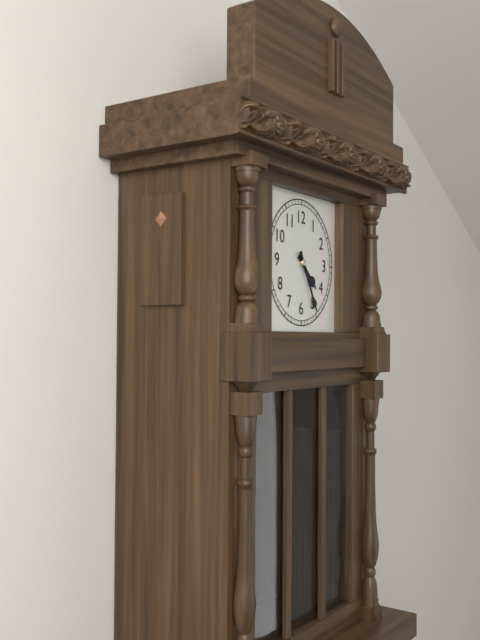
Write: 4,25
